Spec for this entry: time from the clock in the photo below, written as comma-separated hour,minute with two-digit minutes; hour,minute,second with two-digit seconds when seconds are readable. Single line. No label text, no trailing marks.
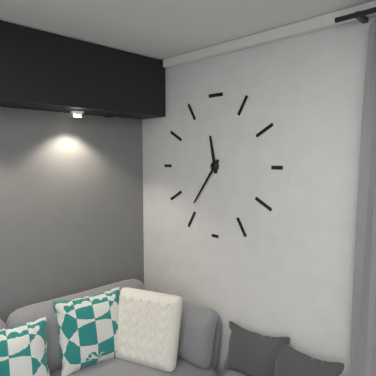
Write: 11,36
